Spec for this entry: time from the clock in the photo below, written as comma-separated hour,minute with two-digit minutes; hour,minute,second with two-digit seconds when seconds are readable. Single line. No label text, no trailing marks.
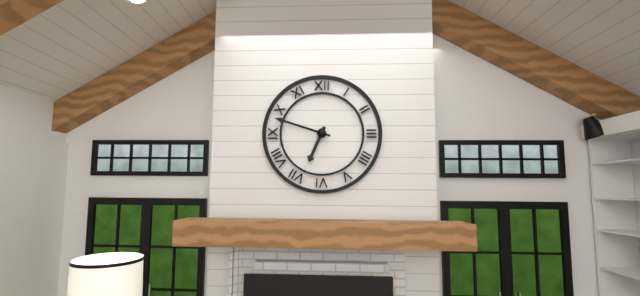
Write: 6,48
